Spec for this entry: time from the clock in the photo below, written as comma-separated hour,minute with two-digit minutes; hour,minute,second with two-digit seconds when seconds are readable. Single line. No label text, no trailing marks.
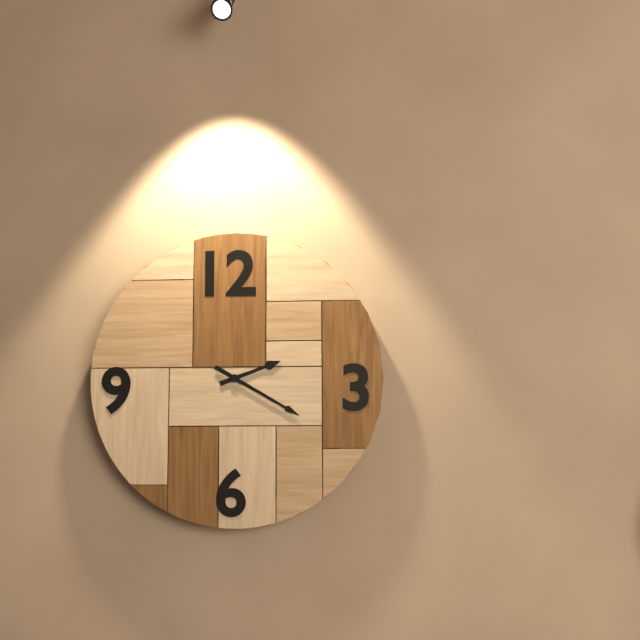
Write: 2,20
